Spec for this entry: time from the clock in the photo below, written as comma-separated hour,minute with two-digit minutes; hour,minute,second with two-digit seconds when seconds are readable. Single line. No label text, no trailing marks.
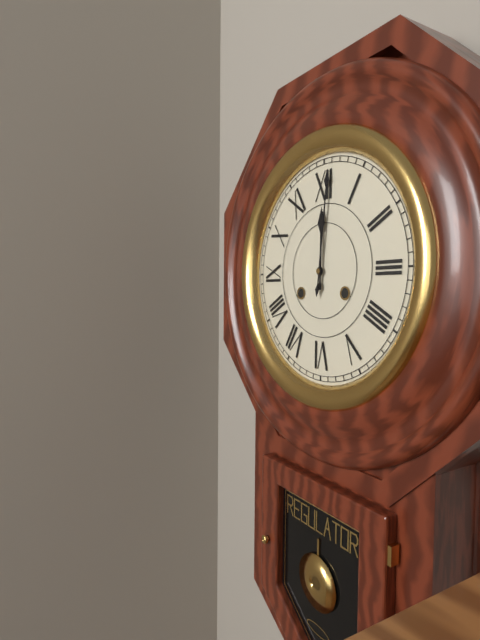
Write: 12,01
